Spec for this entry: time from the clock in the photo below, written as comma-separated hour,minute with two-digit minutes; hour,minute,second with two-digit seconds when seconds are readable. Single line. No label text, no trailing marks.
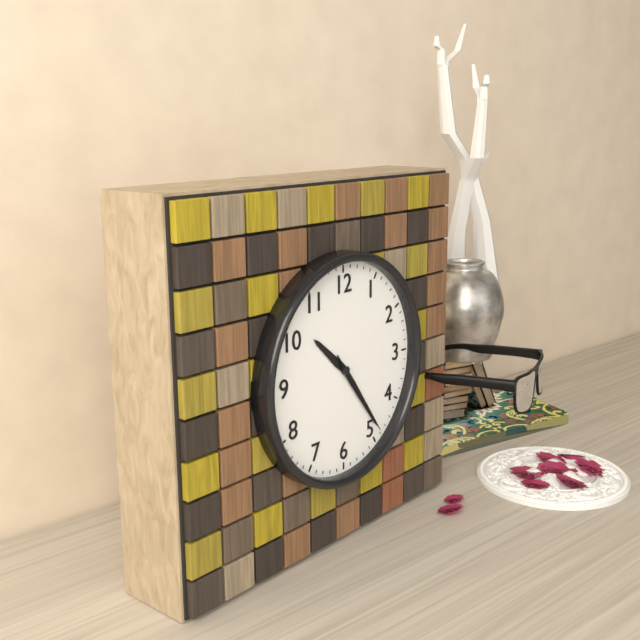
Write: 10,24,24
